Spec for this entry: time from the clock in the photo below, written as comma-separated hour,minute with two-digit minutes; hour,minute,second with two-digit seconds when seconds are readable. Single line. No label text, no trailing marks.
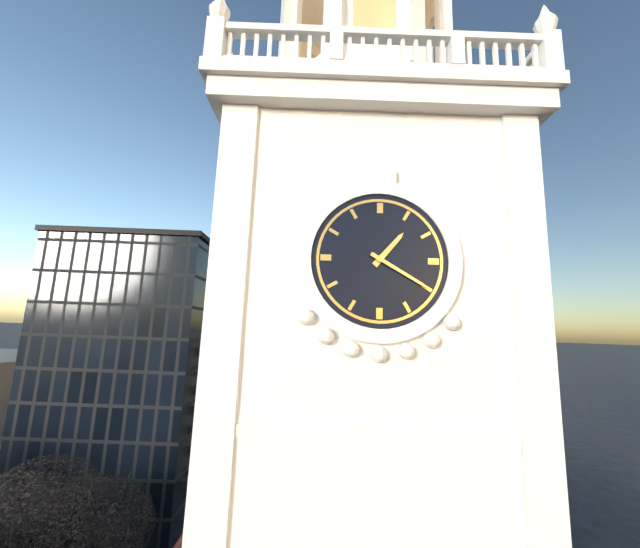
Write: 1,20
